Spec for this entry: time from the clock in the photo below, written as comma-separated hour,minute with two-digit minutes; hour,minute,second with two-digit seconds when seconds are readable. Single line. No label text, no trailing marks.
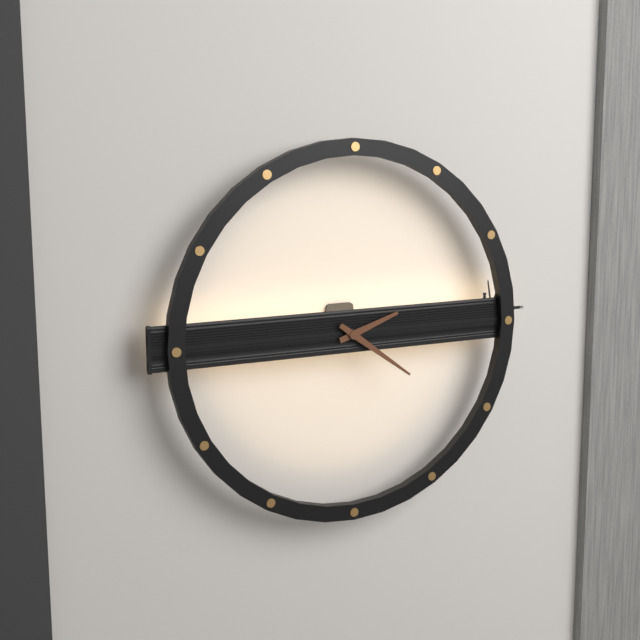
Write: 2,21
